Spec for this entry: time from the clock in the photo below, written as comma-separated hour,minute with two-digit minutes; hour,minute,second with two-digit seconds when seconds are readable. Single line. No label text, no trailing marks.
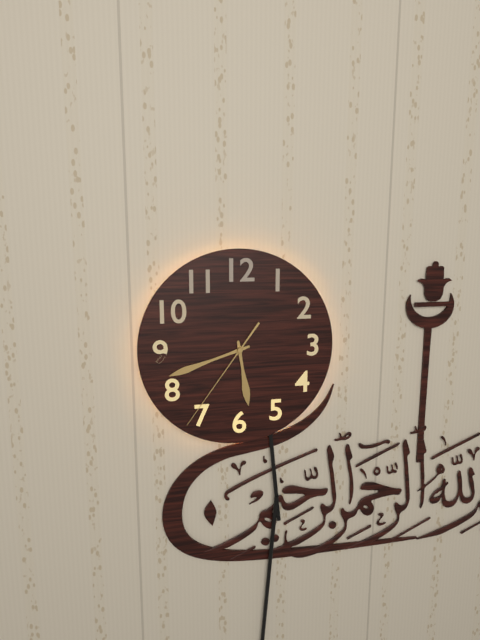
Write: 5,42,36
